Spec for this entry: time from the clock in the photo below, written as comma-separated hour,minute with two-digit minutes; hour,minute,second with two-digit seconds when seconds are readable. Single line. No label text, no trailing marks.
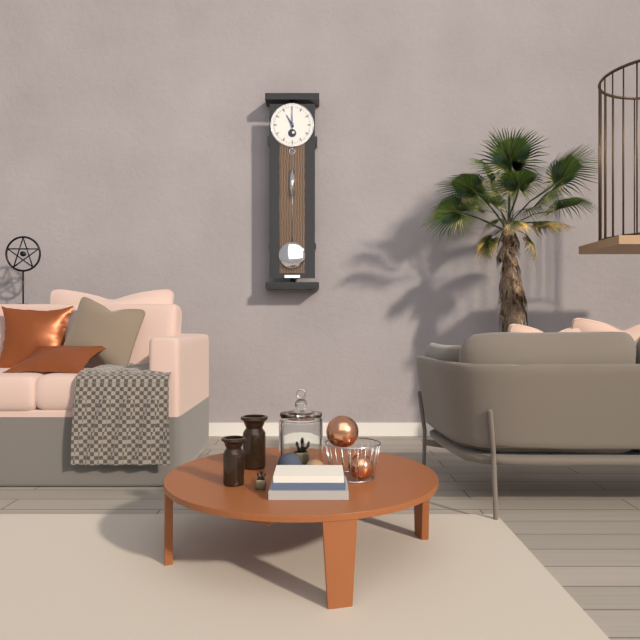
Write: 11,00
